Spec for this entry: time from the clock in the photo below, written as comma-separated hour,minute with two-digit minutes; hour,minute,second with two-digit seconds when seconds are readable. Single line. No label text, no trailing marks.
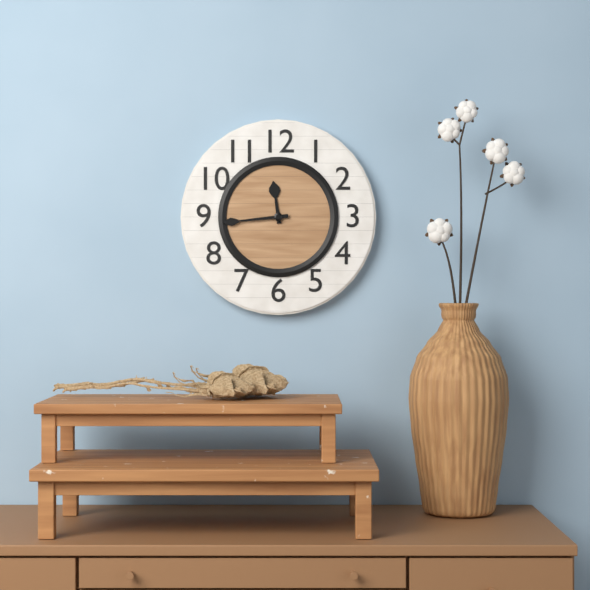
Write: 11,44
